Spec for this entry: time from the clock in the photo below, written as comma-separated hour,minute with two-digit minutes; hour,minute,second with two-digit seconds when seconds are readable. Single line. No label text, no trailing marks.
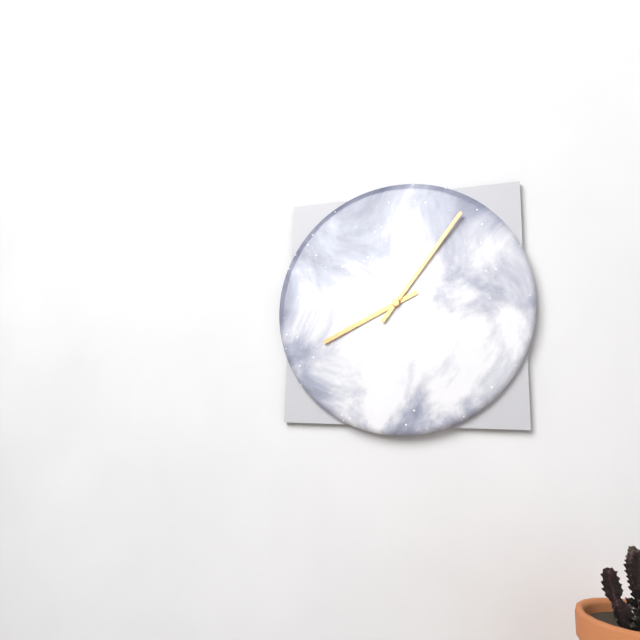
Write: 8,06
